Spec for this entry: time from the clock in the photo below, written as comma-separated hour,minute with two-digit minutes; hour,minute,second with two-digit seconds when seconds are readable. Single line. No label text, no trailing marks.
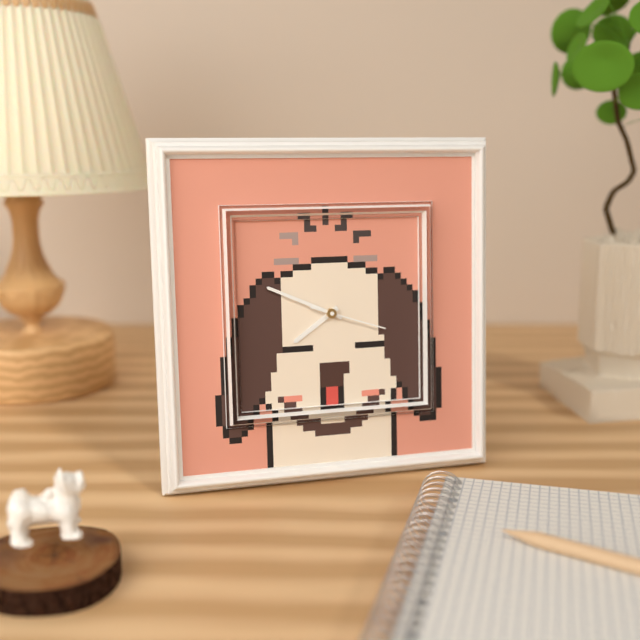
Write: 7,49,18
